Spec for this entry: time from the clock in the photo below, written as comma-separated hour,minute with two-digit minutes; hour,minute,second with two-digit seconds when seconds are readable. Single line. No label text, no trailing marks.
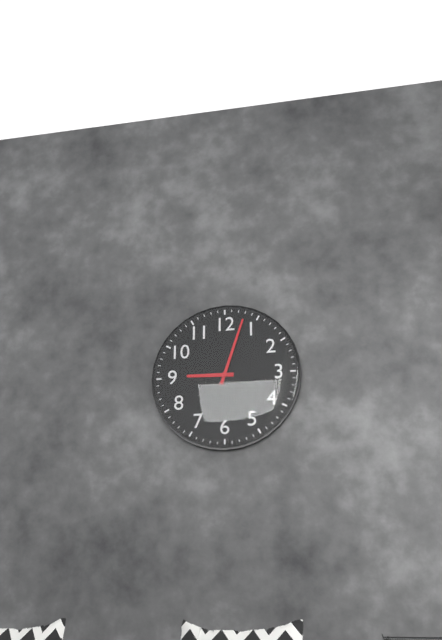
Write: 9,03
